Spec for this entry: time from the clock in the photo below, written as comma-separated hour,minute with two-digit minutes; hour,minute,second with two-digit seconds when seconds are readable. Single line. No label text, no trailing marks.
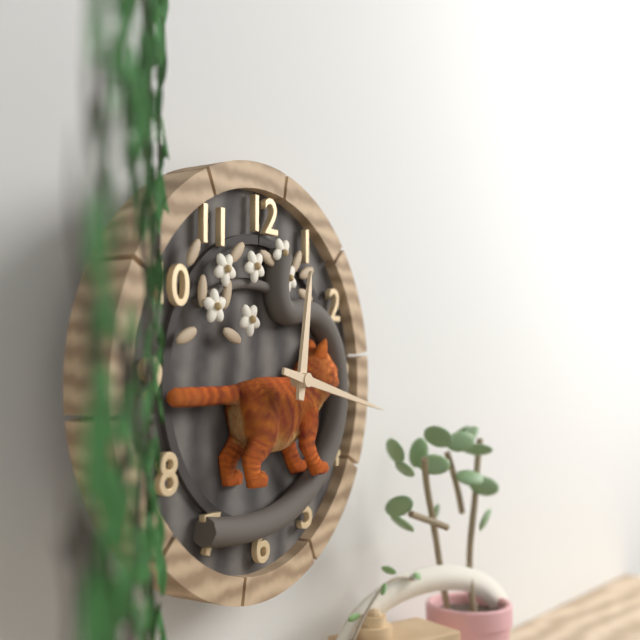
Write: 12,17
